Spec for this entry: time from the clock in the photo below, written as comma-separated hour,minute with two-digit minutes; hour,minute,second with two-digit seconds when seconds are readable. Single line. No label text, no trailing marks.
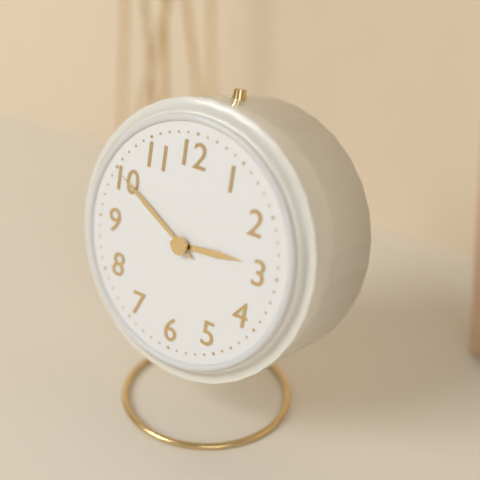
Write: 2,50
